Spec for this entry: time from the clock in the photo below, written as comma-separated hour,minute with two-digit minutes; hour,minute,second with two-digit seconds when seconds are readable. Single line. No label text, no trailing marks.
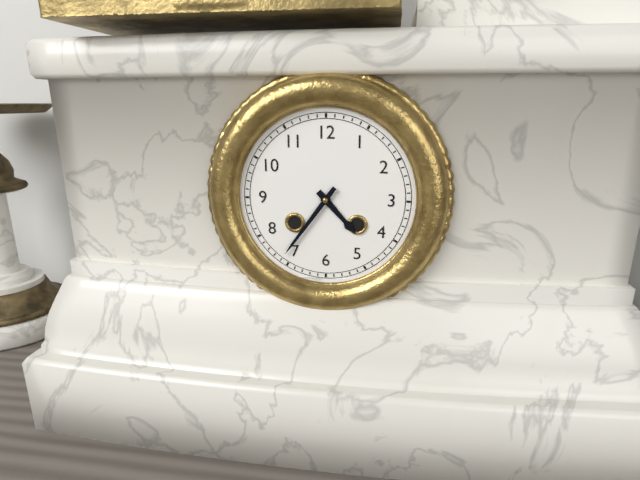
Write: 4,36
